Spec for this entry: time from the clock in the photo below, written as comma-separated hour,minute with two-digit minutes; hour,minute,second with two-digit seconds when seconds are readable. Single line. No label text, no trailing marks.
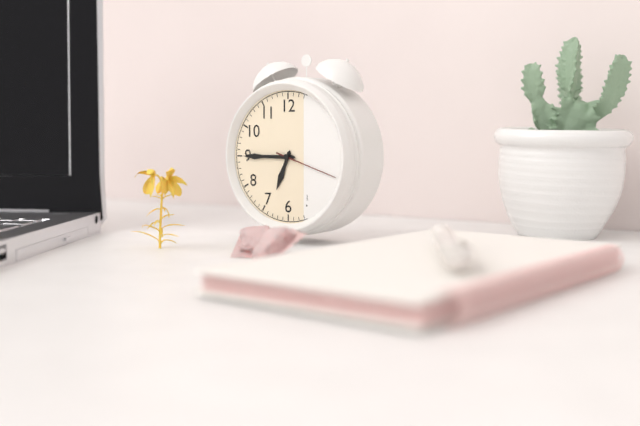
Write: 6,45,18
